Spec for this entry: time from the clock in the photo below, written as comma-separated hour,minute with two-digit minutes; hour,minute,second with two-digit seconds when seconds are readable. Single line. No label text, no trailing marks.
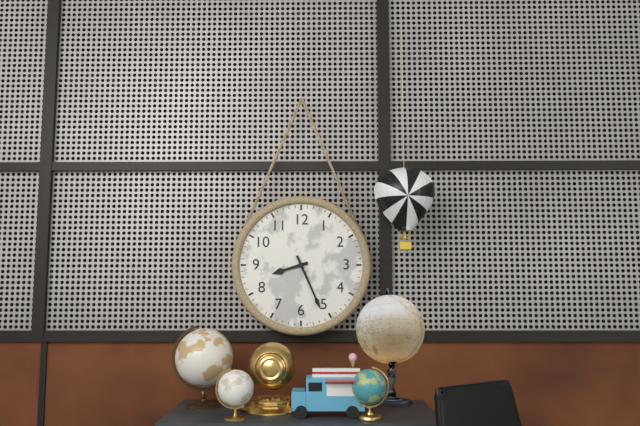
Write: 8,26
